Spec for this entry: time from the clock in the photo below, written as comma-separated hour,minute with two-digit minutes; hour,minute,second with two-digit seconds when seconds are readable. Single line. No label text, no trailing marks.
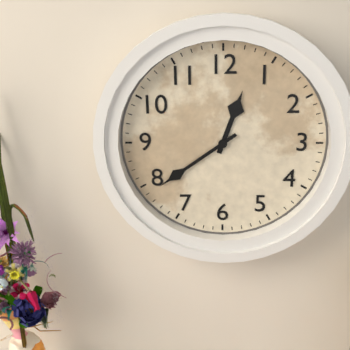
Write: 12,39
